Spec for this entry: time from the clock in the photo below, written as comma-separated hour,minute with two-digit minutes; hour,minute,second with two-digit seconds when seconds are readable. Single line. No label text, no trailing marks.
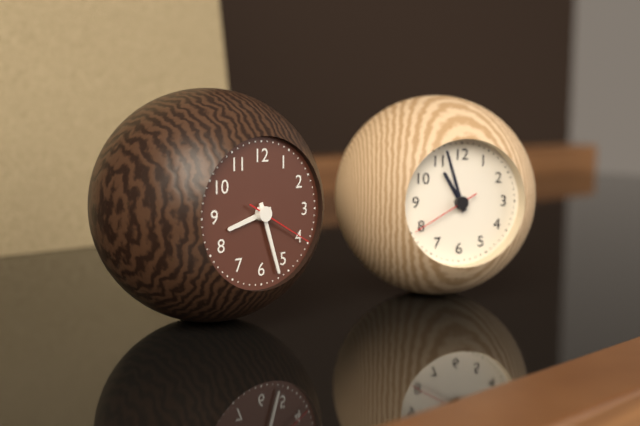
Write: 8,27,20
